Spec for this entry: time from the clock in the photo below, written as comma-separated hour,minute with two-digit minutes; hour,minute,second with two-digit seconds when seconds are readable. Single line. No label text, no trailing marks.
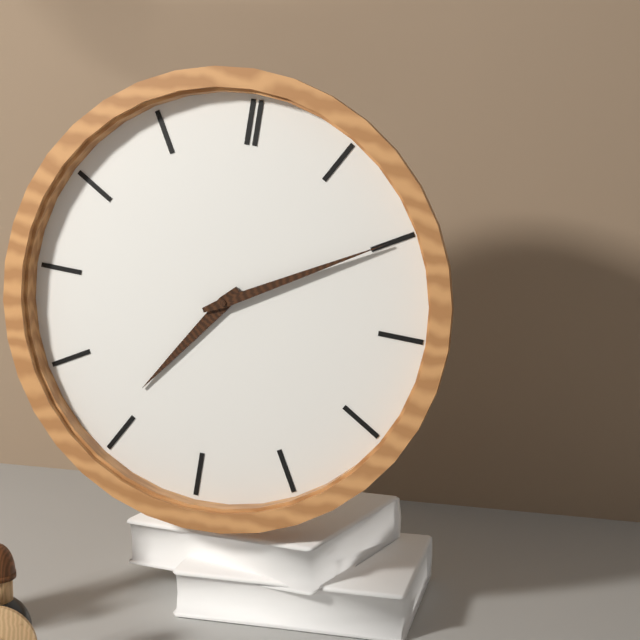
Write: 7,10
